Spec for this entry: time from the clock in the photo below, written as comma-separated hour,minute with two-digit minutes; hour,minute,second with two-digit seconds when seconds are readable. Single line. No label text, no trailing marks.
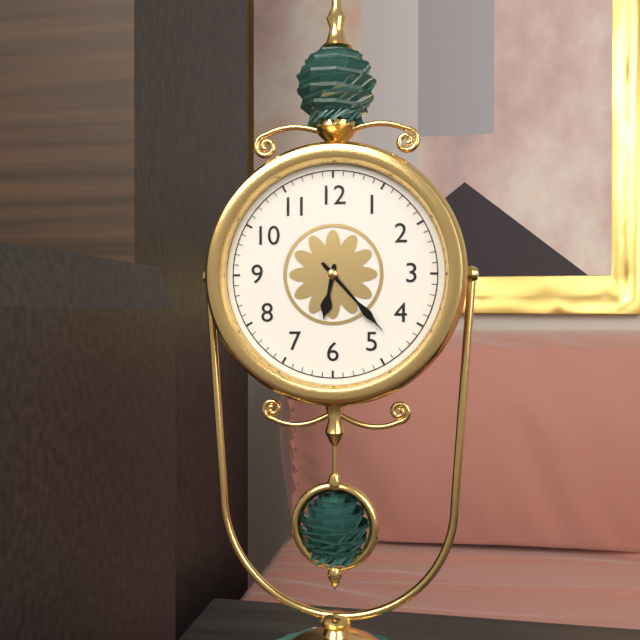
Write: 6,23
